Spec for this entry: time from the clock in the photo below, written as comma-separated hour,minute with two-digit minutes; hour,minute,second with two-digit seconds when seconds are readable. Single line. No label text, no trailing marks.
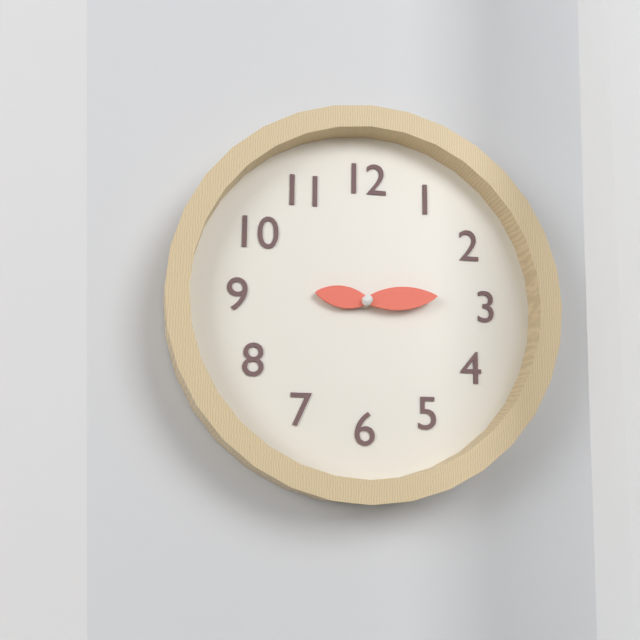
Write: 9,14
